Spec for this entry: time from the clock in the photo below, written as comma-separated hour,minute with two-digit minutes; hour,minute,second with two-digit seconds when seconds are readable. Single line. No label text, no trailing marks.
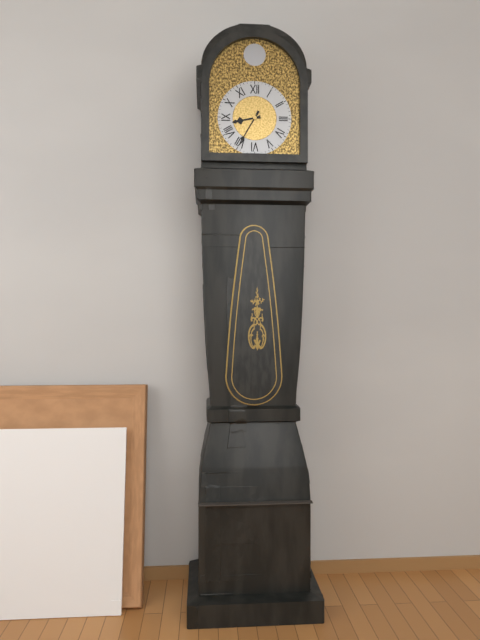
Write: 8,35
